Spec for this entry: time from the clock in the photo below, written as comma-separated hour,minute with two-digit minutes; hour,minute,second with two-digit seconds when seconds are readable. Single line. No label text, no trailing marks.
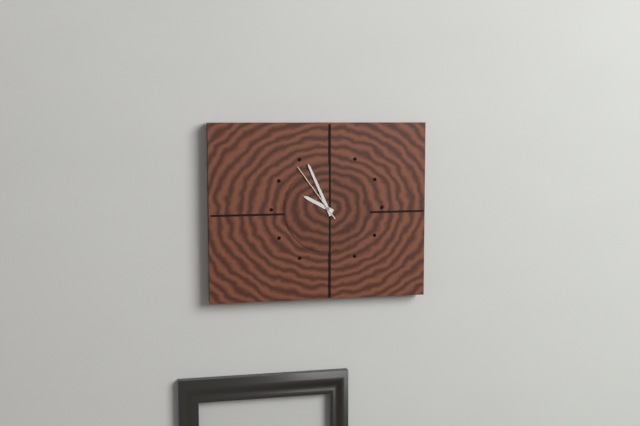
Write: 9,56,54
